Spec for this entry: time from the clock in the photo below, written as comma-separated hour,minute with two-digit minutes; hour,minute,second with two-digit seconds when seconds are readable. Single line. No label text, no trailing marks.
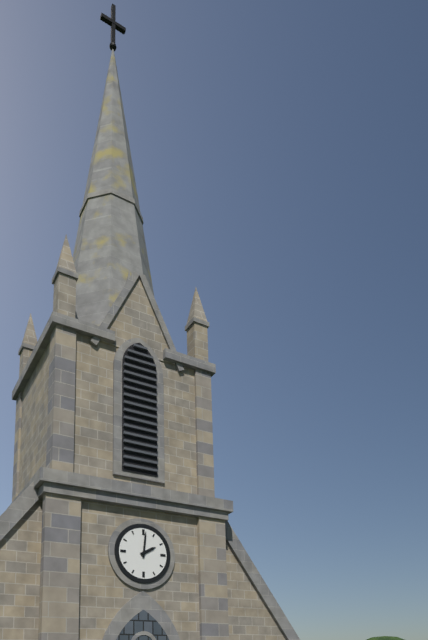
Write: 2,01
